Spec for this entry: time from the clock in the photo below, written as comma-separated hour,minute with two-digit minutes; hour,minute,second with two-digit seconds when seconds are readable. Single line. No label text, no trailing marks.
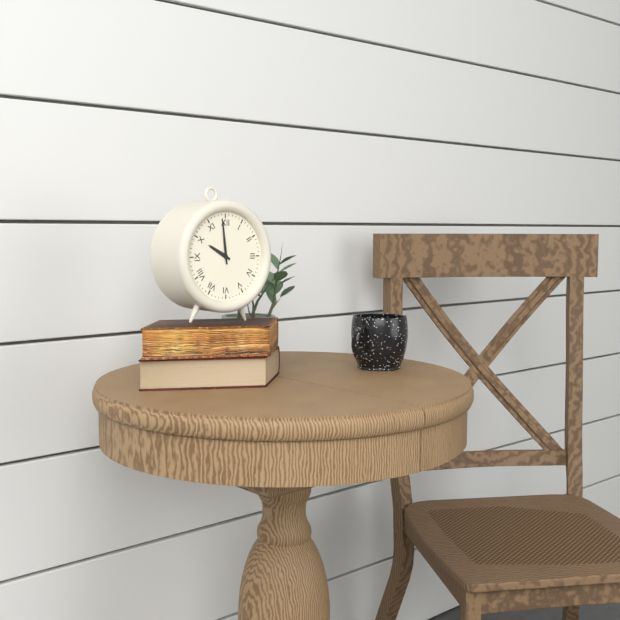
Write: 9,59
